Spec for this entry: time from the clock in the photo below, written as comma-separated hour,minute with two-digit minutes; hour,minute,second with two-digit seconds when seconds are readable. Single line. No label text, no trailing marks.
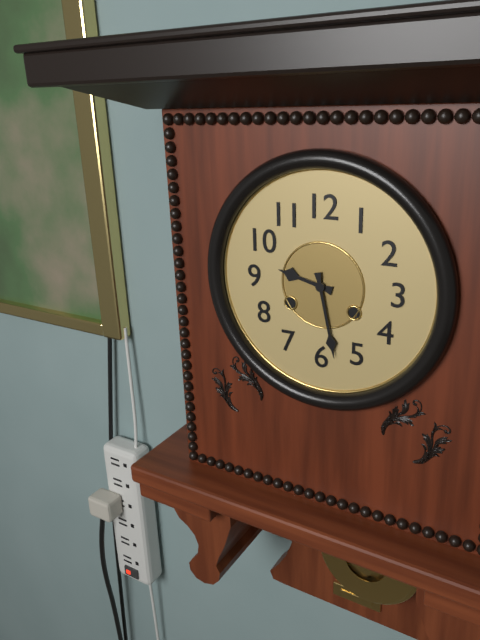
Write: 9,28
